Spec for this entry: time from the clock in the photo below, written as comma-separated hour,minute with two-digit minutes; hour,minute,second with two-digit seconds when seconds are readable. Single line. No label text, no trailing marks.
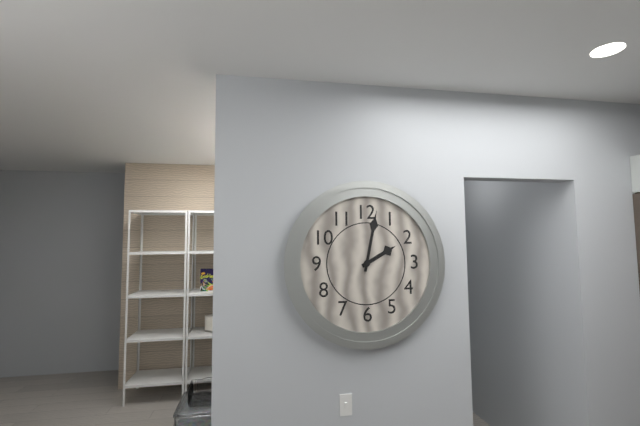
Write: 2,02
